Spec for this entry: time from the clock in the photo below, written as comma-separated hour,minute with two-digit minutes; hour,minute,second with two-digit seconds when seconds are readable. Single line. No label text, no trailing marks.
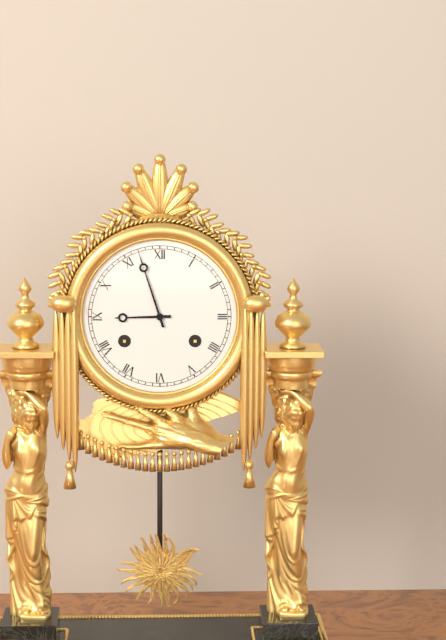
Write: 8,57
